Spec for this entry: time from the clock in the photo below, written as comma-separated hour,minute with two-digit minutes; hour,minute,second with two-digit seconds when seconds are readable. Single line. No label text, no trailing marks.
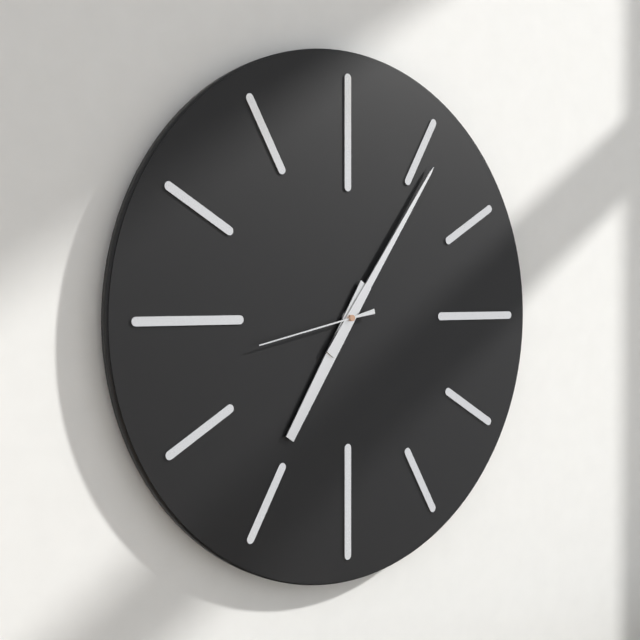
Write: 7,06,43
